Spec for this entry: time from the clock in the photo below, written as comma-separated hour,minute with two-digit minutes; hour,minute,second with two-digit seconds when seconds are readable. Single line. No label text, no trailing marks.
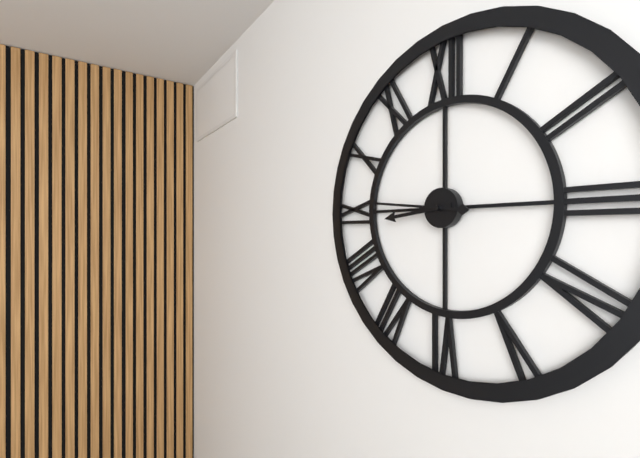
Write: 8,46
